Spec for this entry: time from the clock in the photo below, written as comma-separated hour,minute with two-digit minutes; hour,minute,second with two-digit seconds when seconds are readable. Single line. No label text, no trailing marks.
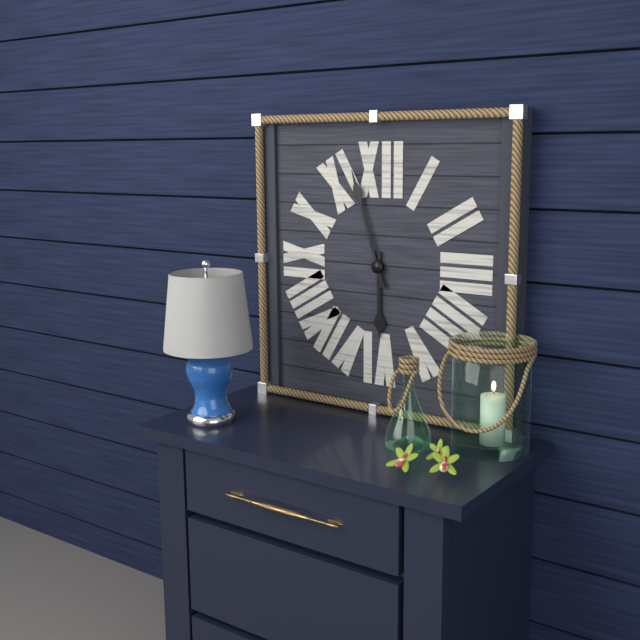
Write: 5,57
